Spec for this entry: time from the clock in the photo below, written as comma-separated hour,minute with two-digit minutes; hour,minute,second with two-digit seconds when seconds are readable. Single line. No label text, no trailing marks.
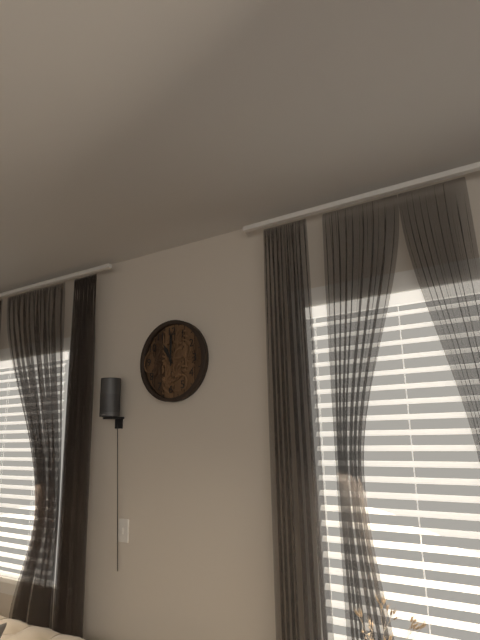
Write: 11,00
